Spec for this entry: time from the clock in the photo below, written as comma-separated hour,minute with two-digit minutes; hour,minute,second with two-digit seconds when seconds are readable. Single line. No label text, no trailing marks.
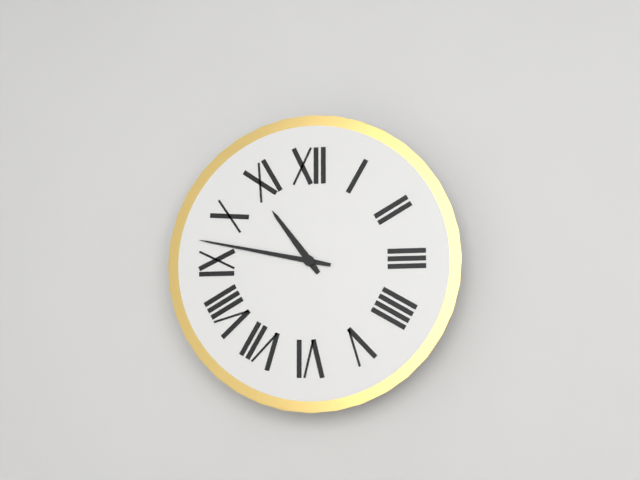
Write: 10,47
